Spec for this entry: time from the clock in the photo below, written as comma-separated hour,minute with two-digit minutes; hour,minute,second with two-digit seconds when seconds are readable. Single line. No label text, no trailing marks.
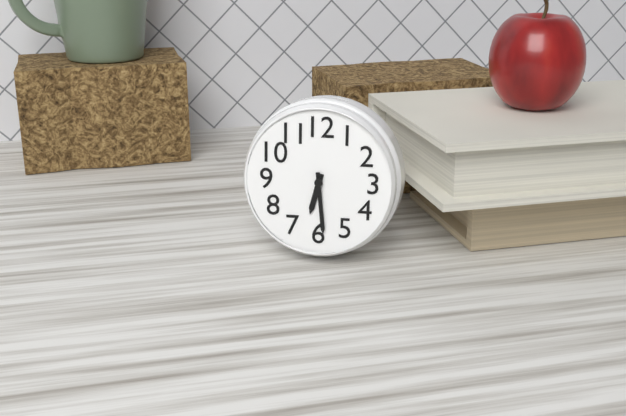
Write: 6,29
